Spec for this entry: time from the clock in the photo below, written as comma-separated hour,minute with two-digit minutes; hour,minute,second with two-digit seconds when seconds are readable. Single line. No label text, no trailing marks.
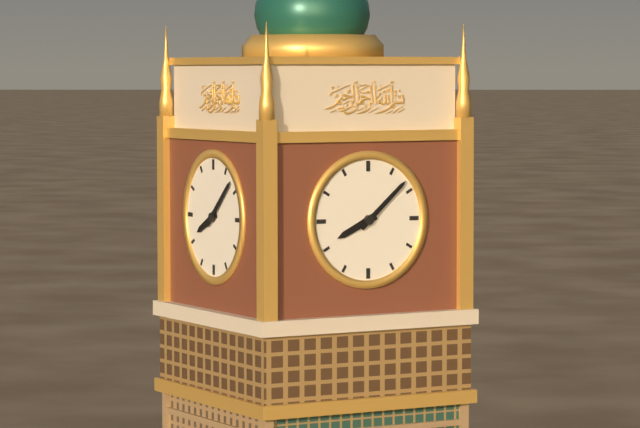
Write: 8,08
